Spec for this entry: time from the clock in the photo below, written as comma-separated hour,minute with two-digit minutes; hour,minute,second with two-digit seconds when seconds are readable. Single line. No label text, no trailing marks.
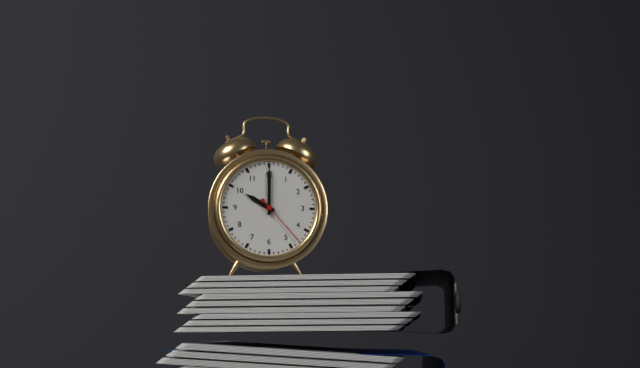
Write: 10,00,23
